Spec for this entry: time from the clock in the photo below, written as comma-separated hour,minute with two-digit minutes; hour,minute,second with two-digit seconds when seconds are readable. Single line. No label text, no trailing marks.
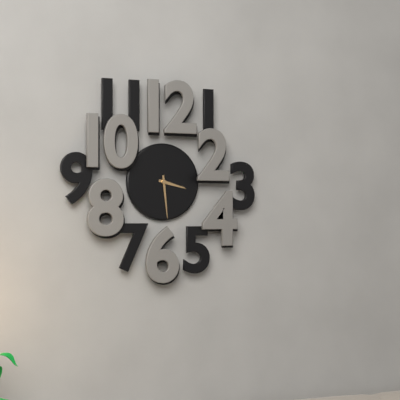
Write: 3,29
